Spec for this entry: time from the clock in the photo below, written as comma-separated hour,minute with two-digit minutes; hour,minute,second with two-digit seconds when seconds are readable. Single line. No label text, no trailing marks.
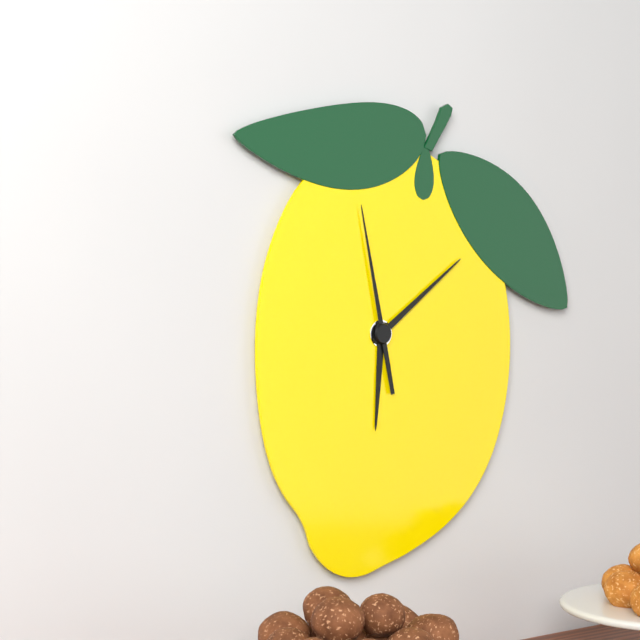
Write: 6,09,58
